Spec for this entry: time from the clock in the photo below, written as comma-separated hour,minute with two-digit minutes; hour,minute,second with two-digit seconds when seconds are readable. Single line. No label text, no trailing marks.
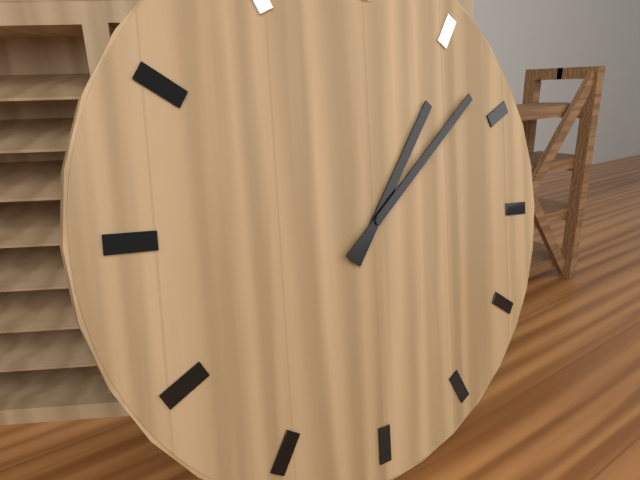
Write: 1,08
